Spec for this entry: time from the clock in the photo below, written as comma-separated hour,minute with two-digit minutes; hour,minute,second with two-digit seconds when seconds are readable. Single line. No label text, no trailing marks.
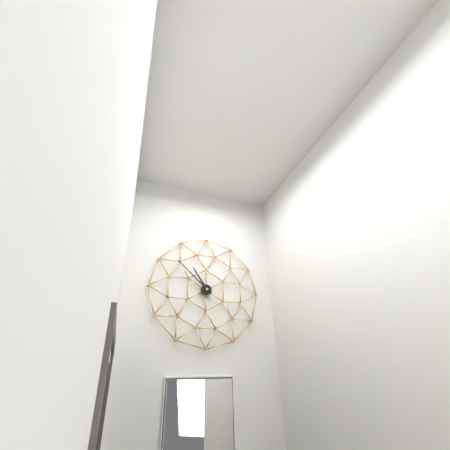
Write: 10,52
